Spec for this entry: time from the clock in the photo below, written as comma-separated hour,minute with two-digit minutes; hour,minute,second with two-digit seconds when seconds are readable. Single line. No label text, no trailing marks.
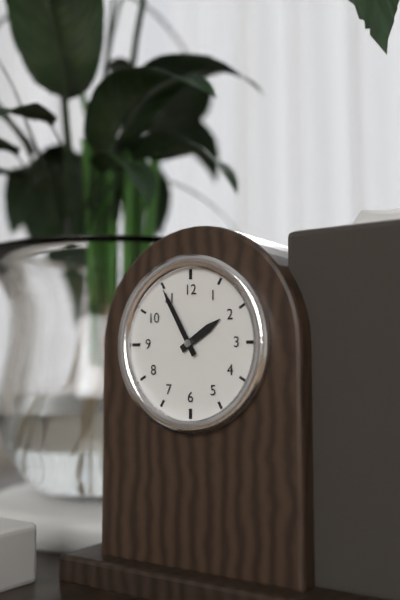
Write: 1,55
